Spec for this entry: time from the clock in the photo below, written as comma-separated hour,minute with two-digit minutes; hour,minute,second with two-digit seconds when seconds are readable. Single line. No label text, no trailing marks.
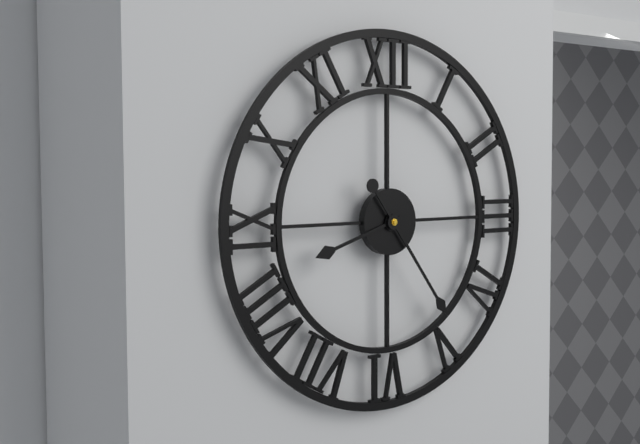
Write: 8,24
